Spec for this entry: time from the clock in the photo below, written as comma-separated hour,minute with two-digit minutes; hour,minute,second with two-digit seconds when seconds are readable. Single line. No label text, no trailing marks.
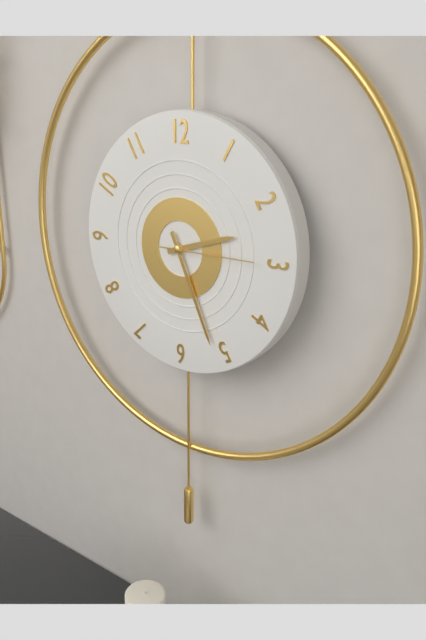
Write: 2,26,15
